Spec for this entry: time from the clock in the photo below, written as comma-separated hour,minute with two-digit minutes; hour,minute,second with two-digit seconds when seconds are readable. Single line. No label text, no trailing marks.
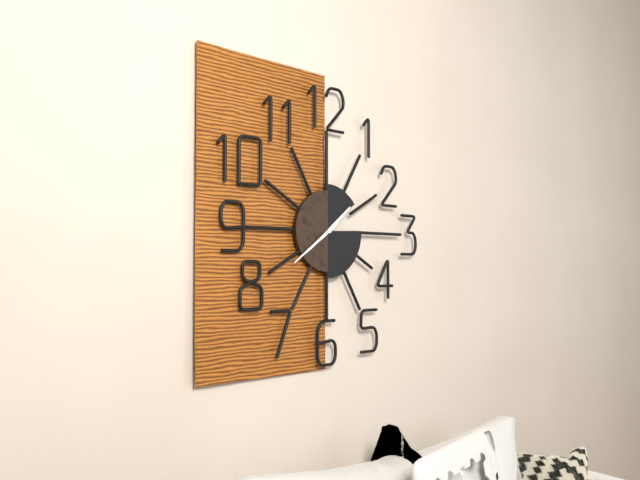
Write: 1,39
